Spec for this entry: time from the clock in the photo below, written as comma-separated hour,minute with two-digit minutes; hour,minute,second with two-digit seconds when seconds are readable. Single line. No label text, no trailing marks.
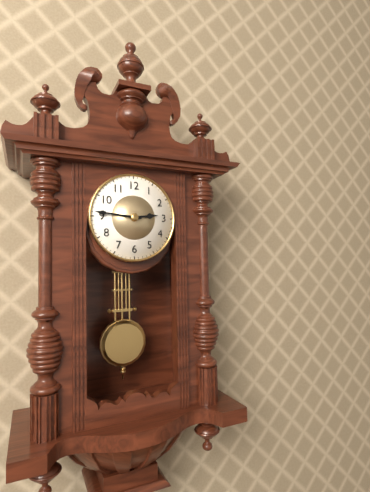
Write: 2,46
